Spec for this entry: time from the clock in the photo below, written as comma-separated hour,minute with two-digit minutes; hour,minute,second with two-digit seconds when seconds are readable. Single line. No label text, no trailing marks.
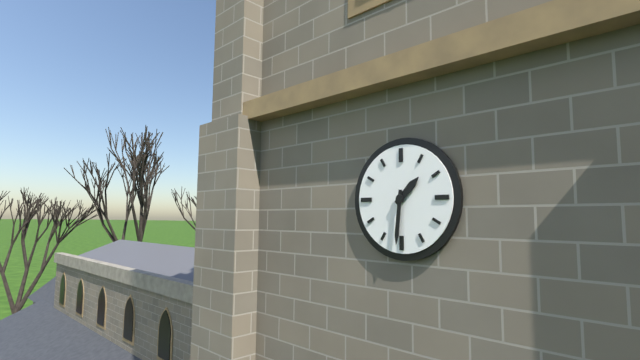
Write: 1,31
